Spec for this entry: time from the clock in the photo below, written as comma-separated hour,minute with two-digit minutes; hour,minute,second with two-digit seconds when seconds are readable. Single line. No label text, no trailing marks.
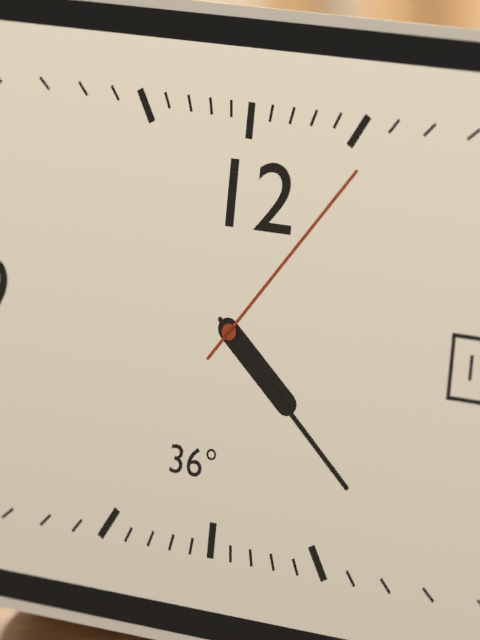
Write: 4,22,06
